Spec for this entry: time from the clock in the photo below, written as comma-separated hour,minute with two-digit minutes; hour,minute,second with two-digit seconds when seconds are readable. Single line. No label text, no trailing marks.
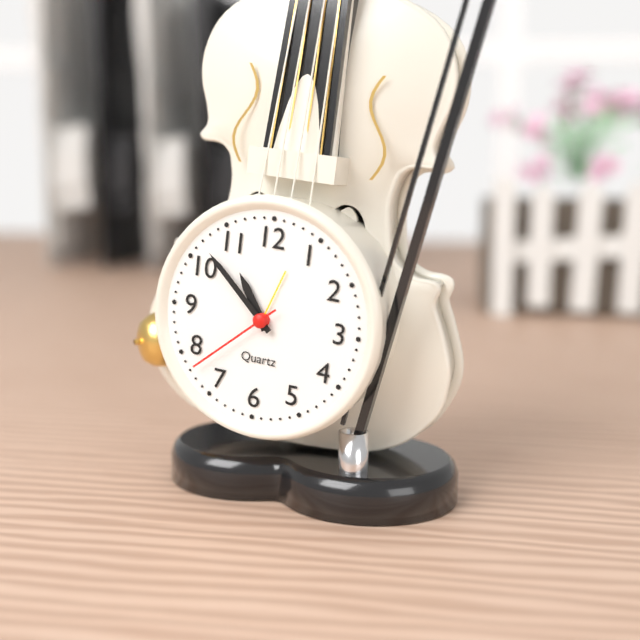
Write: 10,52,38
